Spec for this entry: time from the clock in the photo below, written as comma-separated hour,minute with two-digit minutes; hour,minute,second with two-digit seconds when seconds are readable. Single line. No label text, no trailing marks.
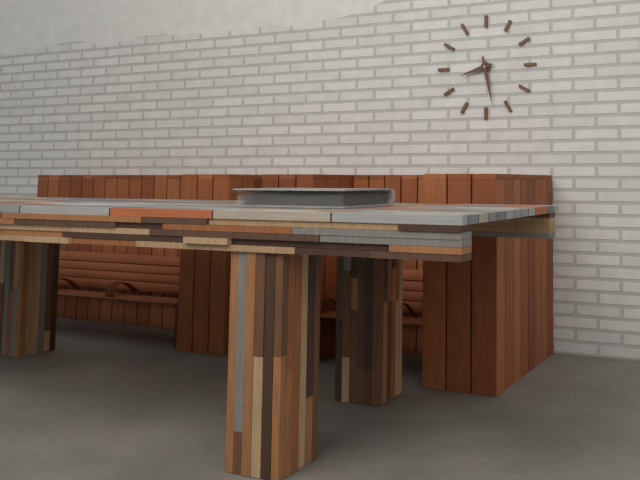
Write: 8,28
